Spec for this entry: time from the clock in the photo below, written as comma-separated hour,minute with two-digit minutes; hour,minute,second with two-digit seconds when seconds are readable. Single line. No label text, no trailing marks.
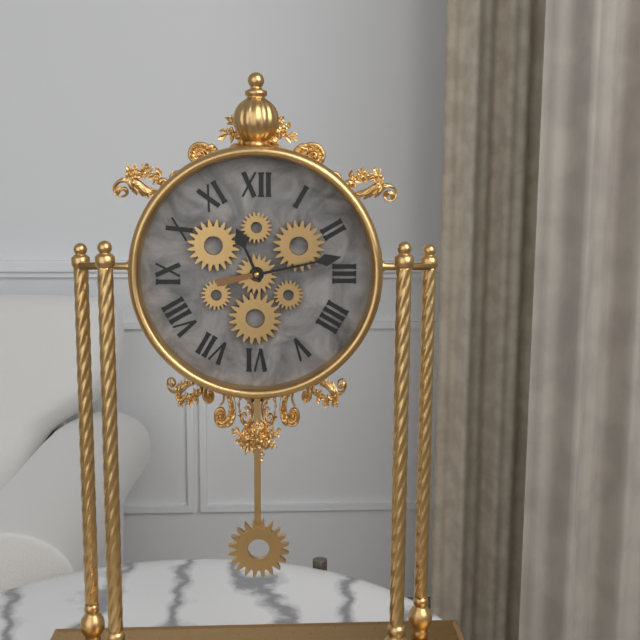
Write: 11,13
